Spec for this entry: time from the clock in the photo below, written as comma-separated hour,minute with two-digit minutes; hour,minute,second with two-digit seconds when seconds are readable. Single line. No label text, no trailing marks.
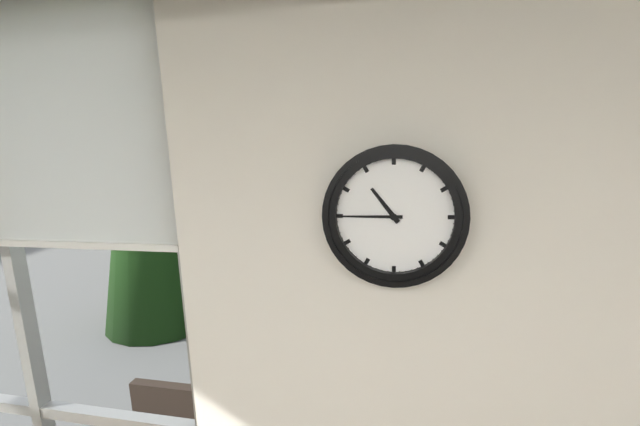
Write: 10,45
